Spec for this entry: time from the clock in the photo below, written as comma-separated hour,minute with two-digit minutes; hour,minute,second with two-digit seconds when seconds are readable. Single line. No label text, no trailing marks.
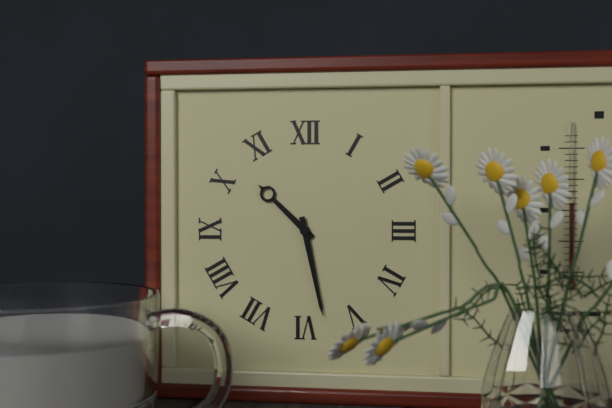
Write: 10,28
